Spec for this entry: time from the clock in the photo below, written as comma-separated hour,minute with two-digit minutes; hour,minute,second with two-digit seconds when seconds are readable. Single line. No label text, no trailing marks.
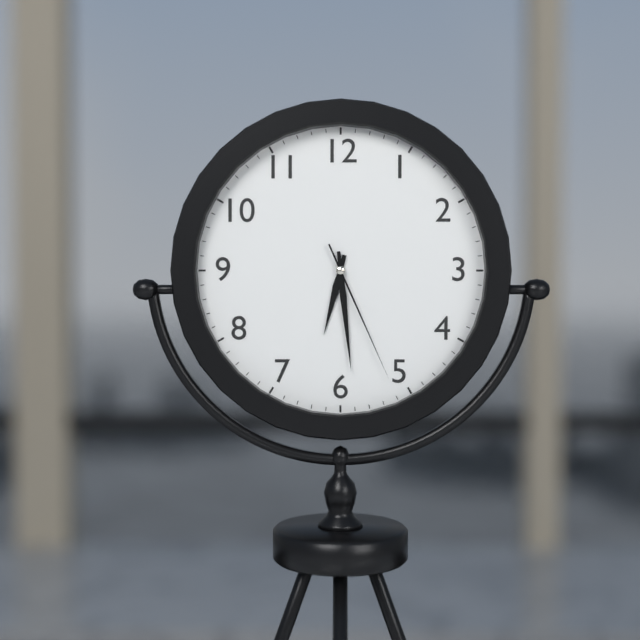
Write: 6,29,26
